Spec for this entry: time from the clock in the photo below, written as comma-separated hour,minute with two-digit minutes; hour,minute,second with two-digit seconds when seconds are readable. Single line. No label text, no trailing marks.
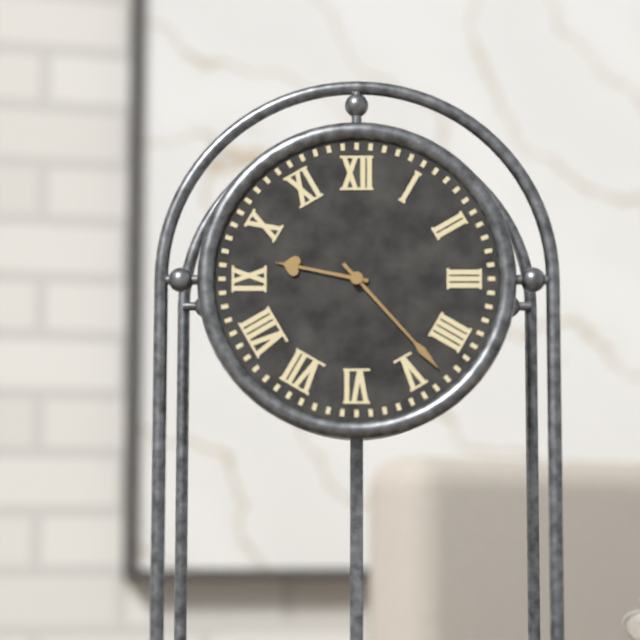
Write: 9,23
